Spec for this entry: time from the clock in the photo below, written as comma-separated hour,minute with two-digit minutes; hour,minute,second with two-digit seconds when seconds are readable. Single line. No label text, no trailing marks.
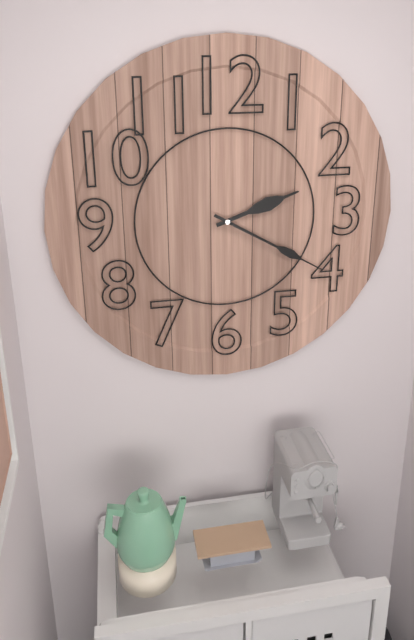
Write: 2,20
